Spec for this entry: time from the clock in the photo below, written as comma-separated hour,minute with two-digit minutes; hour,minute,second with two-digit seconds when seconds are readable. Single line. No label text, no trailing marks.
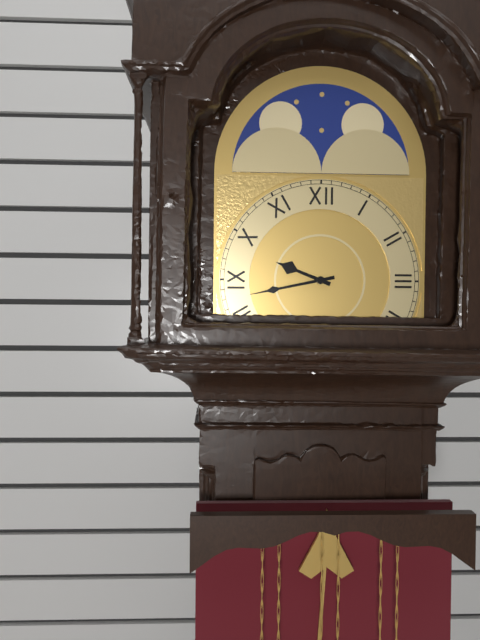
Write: 9,43
